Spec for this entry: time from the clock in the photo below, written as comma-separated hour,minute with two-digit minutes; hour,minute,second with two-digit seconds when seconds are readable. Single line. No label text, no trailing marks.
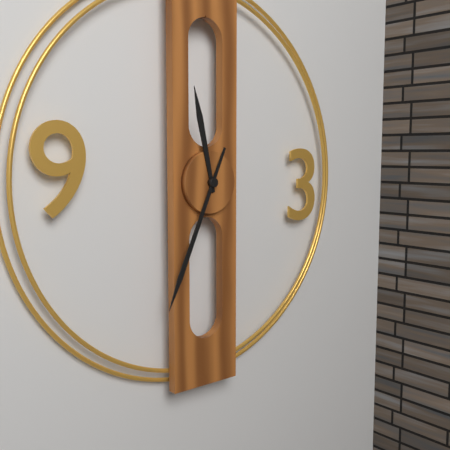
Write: 11,34
